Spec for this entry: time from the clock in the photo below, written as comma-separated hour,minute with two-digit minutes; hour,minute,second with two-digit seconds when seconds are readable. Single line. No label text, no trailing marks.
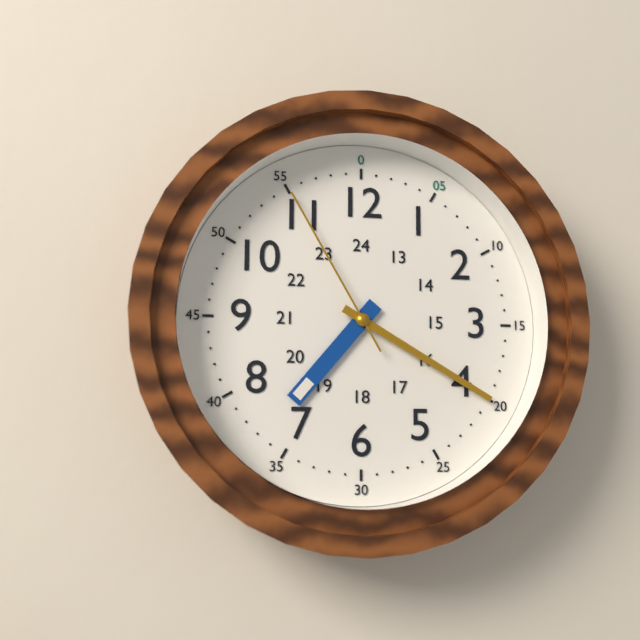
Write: 7,20,55
